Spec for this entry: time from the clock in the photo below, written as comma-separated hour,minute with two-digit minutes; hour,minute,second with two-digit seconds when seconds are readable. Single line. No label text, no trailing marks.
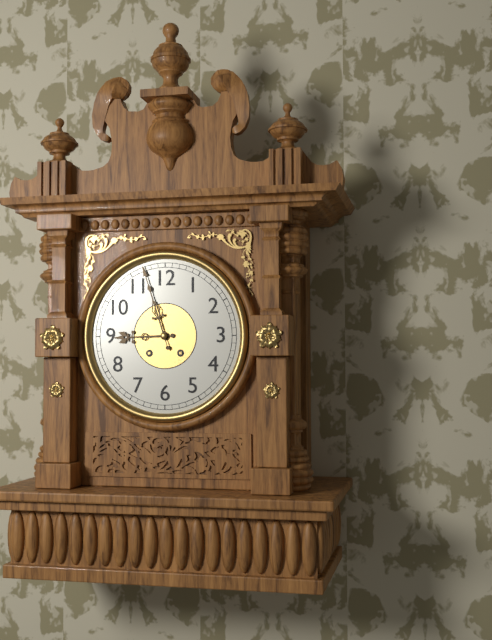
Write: 8,57
